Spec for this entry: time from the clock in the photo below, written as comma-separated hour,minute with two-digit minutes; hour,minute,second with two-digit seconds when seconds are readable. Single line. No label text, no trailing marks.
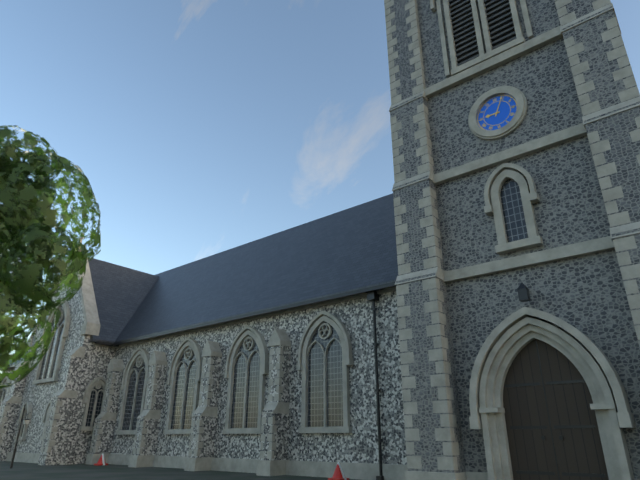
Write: 9,04
